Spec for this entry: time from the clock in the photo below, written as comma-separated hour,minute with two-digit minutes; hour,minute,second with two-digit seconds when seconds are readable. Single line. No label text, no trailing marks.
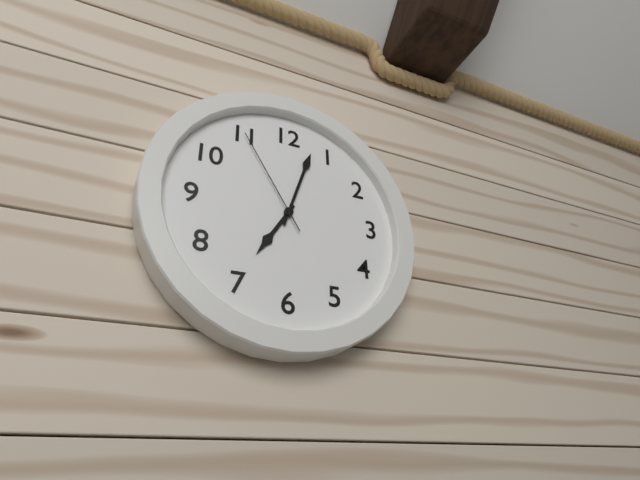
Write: 7,03,55
